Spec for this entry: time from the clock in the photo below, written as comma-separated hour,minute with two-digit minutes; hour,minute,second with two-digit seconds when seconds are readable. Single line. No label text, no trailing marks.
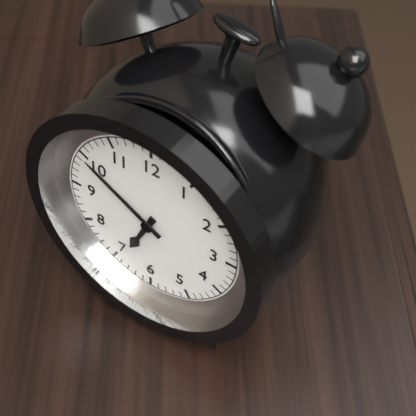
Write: 6,50
